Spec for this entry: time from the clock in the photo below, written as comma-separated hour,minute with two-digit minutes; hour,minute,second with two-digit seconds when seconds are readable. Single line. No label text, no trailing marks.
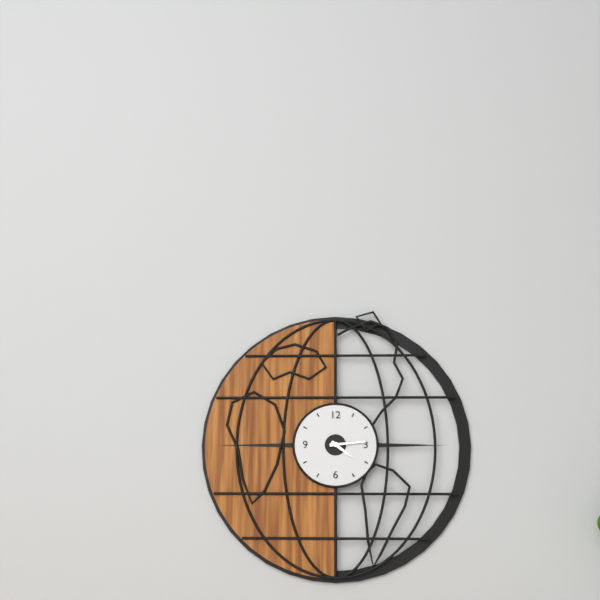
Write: 4,14
